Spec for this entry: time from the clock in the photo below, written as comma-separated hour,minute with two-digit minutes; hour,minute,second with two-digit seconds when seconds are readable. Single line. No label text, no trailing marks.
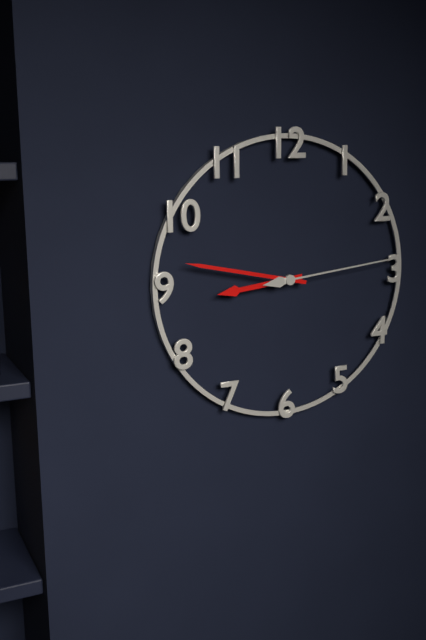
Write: 8,47,14
